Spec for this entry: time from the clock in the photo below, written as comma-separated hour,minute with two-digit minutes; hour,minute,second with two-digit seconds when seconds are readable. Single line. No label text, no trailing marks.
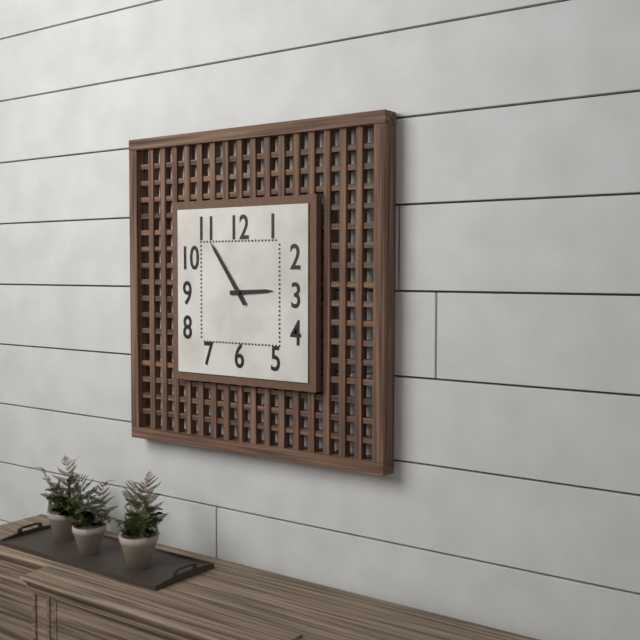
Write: 2,54
